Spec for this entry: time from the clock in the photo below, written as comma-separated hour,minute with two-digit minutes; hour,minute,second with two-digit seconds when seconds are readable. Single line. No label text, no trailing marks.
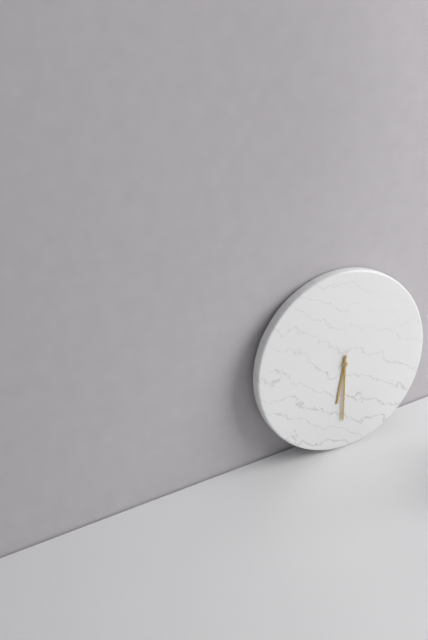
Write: 6,31
